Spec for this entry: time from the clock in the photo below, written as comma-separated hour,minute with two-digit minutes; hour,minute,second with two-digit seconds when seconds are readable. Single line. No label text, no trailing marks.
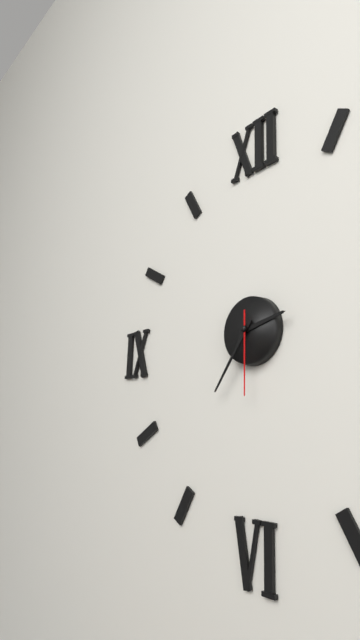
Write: 2,36,30
